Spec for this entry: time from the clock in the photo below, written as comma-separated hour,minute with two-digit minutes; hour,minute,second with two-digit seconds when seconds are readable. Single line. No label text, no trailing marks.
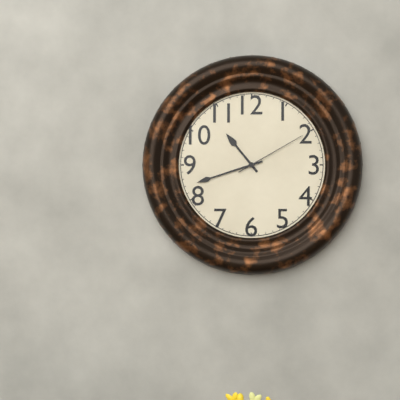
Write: 10,42,10
